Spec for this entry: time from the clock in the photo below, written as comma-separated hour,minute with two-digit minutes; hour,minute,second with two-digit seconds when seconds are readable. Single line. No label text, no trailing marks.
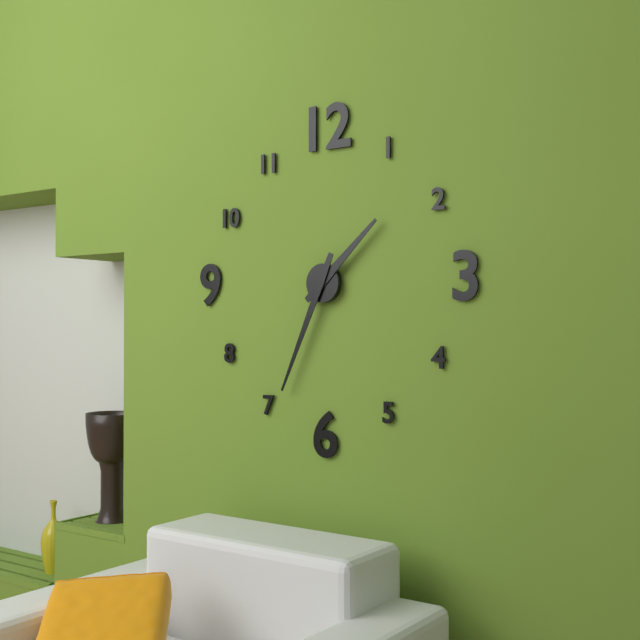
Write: 1,34
